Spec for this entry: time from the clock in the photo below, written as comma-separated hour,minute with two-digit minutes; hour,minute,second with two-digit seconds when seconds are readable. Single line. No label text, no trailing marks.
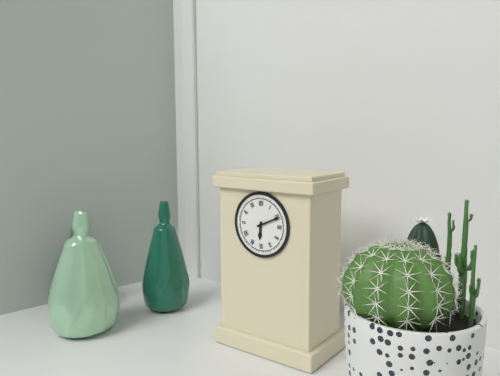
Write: 6,11
